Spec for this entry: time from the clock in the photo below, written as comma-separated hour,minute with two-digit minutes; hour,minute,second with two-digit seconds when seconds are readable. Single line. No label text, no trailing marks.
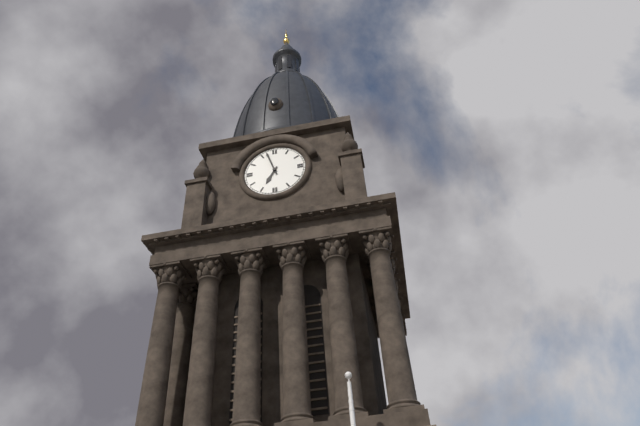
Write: 6,57
